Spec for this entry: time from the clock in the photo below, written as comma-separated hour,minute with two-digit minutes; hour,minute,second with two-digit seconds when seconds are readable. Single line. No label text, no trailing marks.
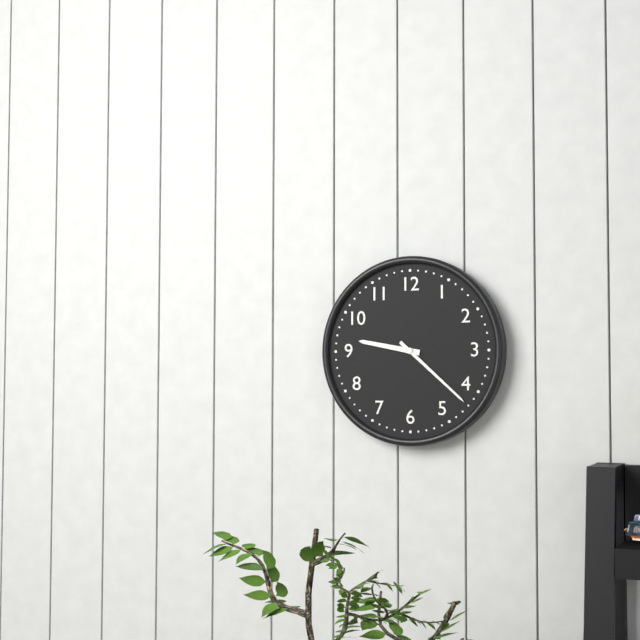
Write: 9,22
